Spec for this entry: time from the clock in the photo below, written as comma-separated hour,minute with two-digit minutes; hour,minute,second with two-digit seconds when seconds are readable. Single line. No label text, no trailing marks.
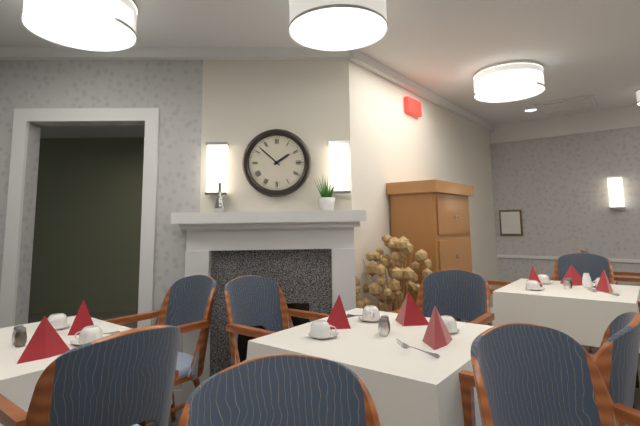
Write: 1,52
